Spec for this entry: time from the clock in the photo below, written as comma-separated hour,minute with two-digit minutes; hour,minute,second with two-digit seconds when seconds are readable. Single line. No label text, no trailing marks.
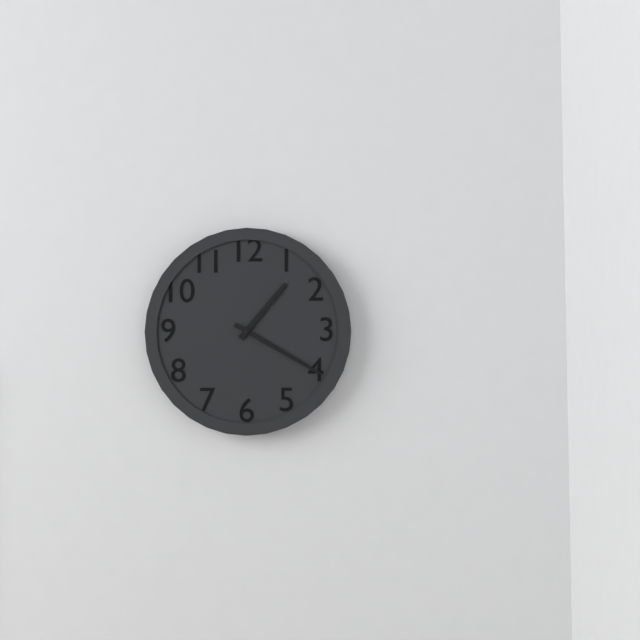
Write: 1,20
